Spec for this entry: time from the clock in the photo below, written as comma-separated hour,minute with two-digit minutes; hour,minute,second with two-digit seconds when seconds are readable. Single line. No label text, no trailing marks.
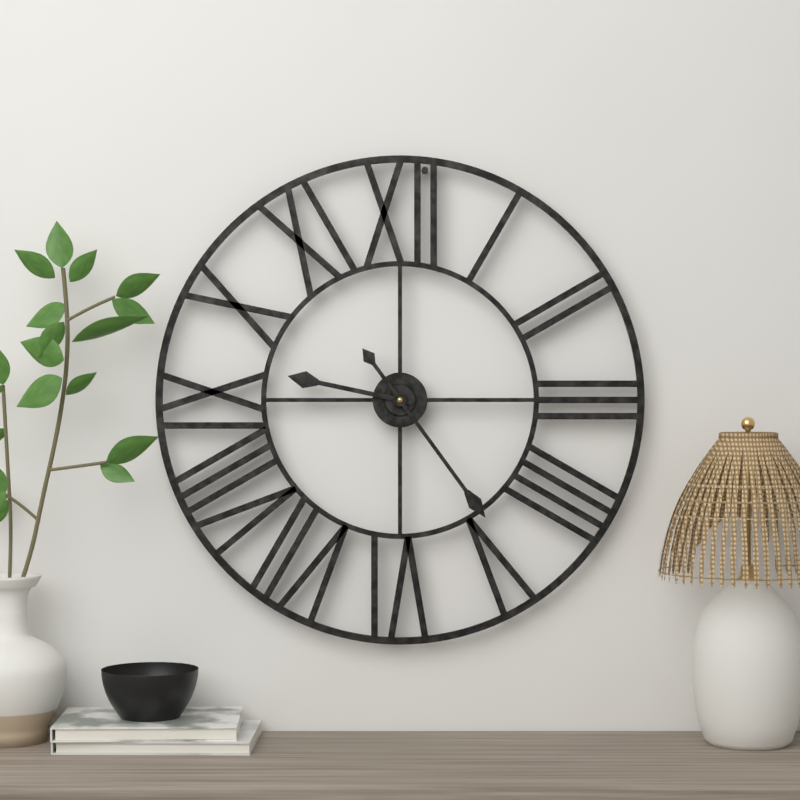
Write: 9,24
